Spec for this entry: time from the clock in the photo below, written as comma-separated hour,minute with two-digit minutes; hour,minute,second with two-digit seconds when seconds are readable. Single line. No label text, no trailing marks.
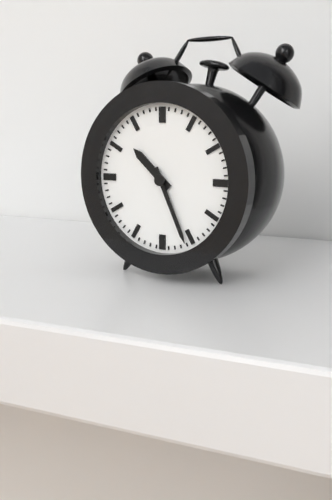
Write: 10,26
